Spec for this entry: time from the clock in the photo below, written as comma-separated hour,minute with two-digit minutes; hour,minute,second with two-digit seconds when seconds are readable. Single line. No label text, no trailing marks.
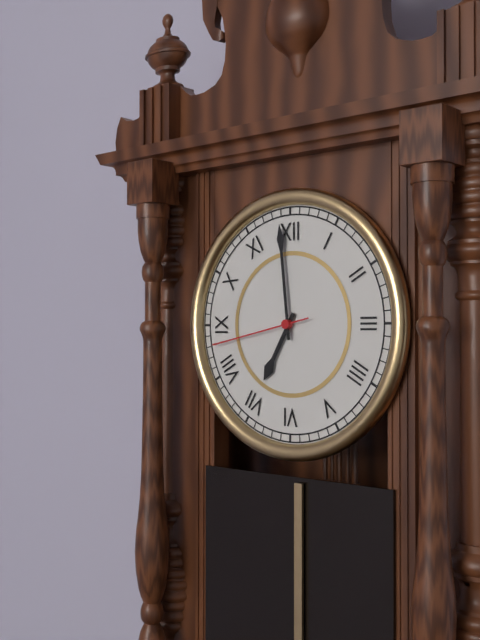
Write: 6,59,43
